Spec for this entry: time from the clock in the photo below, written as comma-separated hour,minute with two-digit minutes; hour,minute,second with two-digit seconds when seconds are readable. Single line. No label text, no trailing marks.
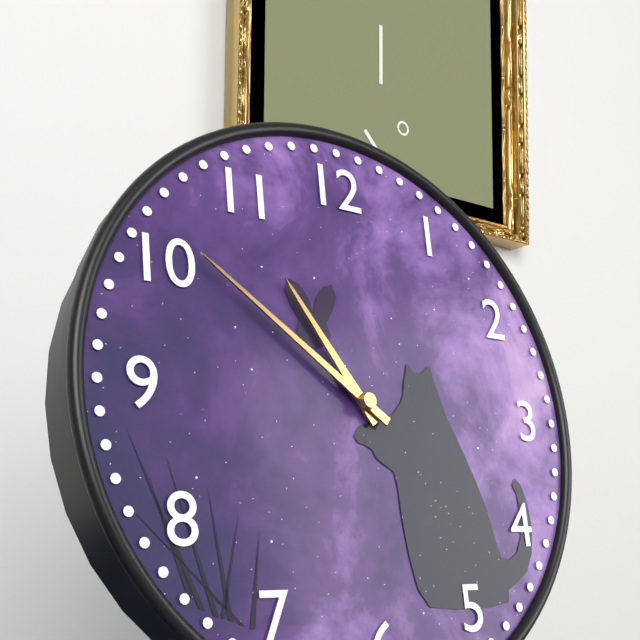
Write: 10,51
